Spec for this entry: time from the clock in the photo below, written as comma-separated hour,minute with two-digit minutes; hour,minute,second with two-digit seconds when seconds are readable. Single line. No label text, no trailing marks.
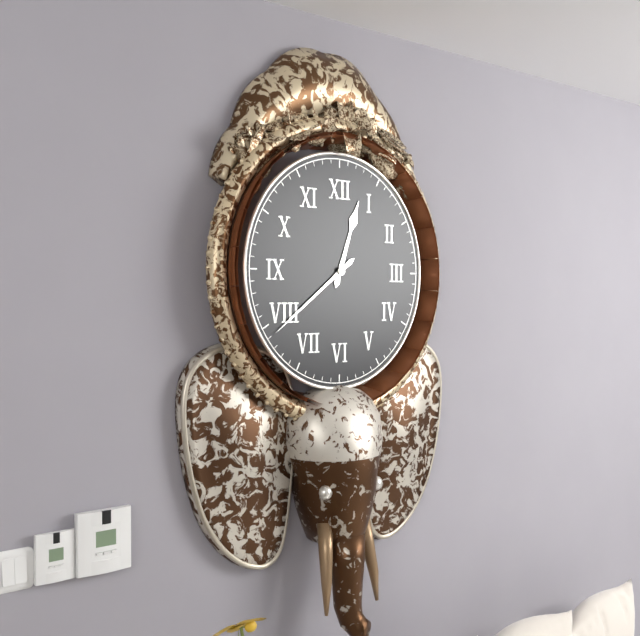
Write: 12,39
